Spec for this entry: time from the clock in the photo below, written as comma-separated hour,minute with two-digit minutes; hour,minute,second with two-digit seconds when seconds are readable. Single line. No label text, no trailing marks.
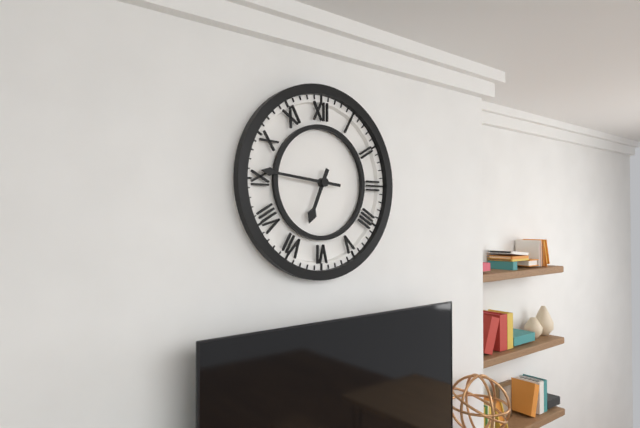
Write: 6,46
